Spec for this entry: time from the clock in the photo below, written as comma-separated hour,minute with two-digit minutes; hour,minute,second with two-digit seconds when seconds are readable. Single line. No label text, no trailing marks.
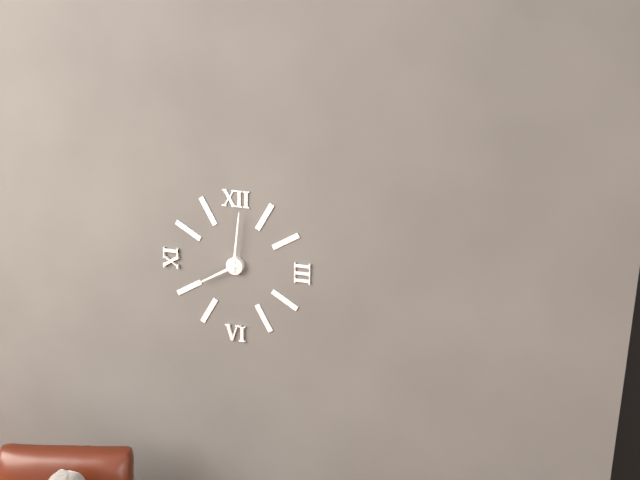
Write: 8,01
